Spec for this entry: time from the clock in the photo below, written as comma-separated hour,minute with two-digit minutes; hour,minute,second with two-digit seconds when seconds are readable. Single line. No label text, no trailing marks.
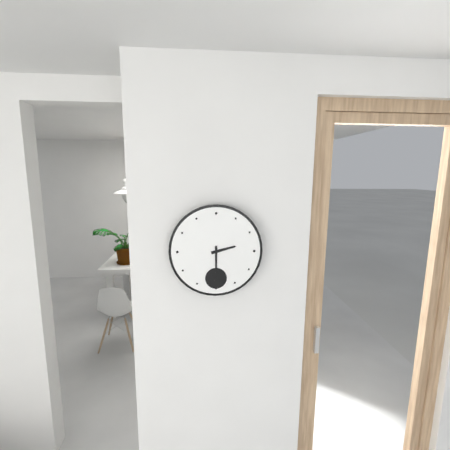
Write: 2,30
